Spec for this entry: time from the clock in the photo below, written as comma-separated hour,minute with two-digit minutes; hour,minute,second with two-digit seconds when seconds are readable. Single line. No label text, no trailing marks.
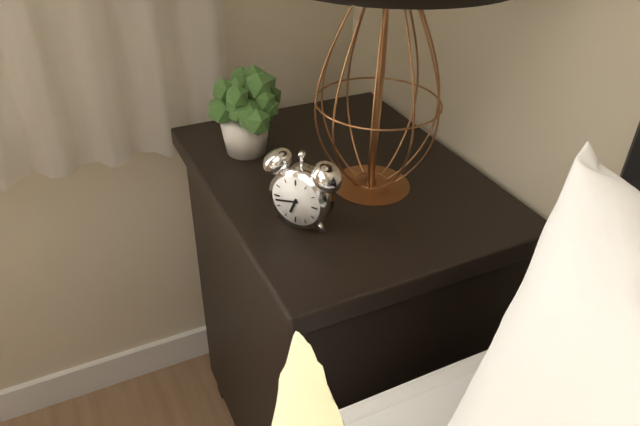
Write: 6,43
